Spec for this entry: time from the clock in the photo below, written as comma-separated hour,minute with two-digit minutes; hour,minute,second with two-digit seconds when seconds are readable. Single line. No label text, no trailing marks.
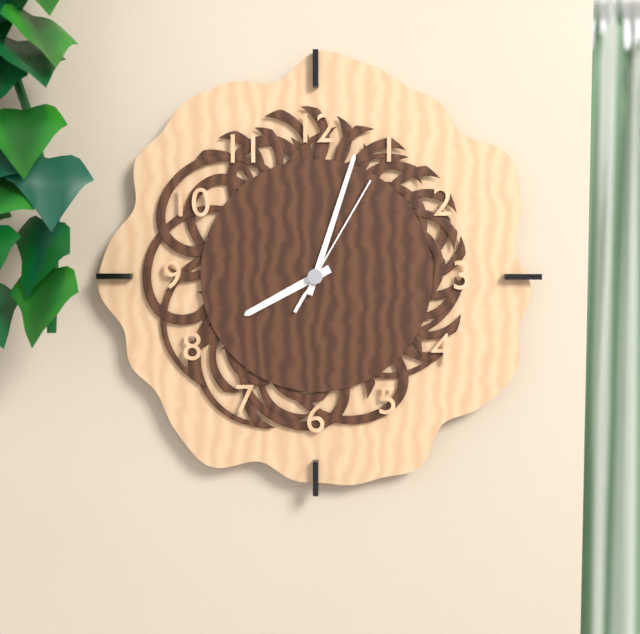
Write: 8,03,05
